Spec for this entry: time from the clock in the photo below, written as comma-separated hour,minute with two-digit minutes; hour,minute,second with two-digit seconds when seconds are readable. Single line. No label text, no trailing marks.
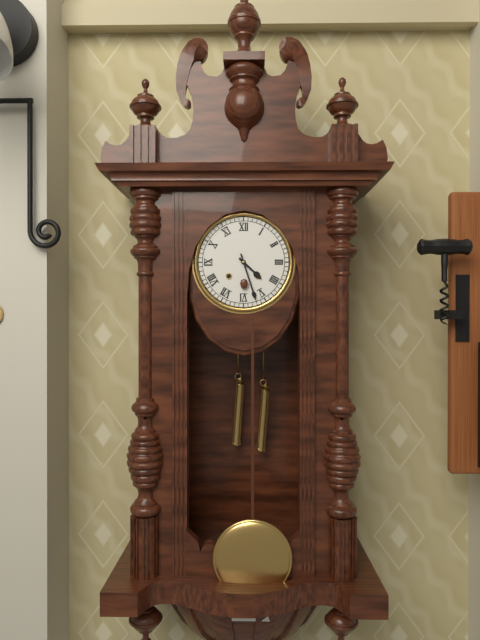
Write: 4,27
